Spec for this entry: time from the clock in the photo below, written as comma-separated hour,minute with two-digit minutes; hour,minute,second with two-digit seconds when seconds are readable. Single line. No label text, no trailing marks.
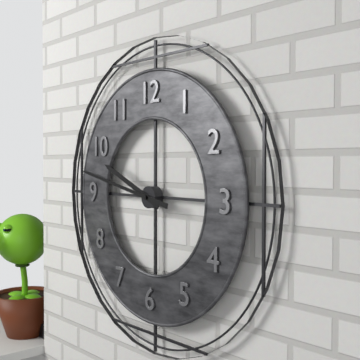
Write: 9,47
